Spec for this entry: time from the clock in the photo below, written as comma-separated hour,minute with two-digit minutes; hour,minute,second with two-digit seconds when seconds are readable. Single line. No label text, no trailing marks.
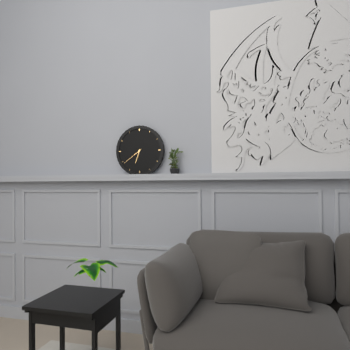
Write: 6,39
